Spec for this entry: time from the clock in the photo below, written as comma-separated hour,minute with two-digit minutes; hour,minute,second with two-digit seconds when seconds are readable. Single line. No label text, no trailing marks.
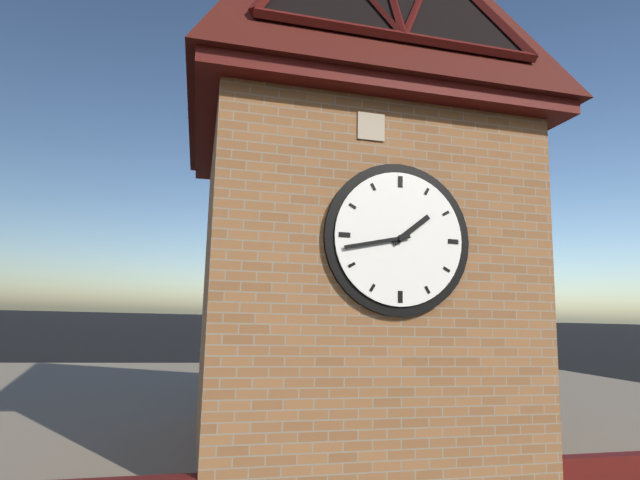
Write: 1,43
